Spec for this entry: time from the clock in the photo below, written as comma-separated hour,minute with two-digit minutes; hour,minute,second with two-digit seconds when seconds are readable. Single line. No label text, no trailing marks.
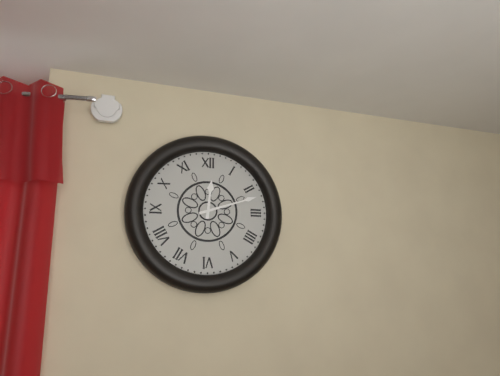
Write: 12,12
